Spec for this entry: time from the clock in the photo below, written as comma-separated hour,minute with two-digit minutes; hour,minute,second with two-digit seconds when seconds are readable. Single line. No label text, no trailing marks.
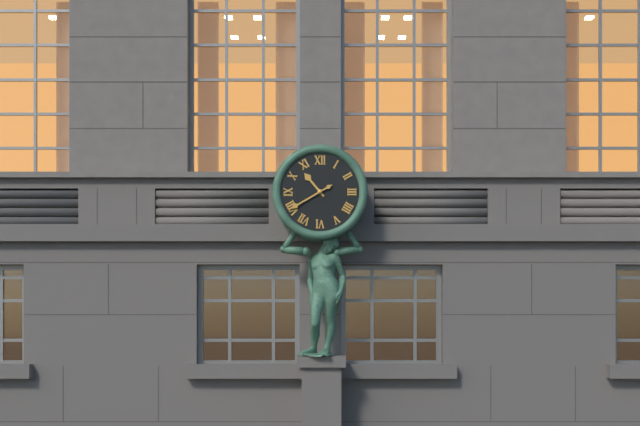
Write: 10,40
